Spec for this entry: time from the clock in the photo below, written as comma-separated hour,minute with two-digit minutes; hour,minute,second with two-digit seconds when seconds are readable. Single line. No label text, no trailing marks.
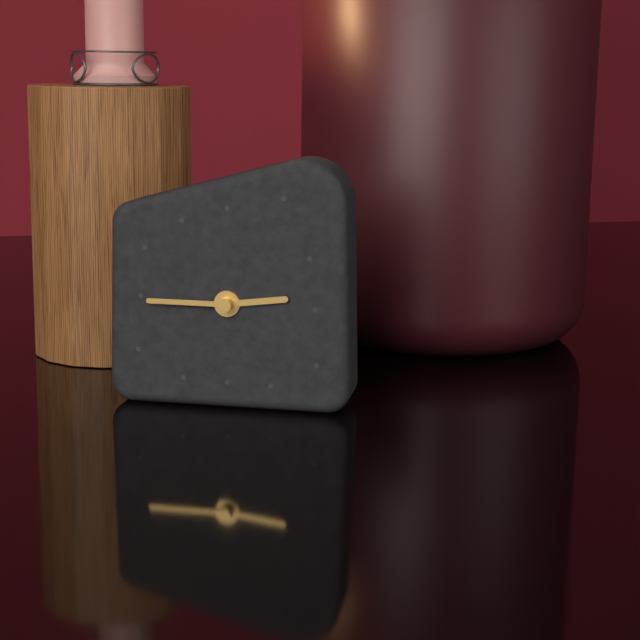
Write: 2,45
